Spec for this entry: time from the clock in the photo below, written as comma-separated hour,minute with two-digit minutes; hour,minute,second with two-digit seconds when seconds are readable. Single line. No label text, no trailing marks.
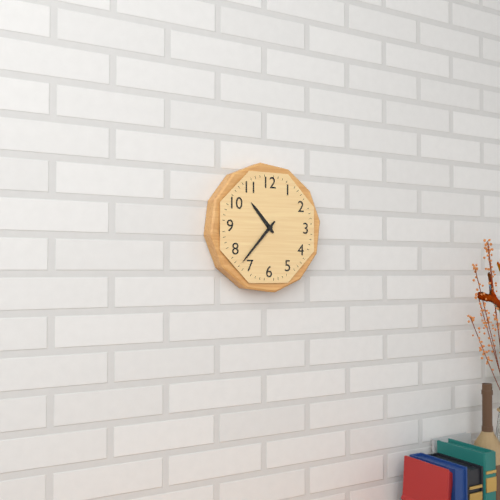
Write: 10,37
